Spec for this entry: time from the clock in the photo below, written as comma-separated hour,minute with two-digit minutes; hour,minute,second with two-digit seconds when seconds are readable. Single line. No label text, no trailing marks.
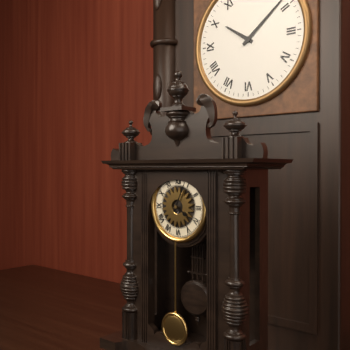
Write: 4,04
